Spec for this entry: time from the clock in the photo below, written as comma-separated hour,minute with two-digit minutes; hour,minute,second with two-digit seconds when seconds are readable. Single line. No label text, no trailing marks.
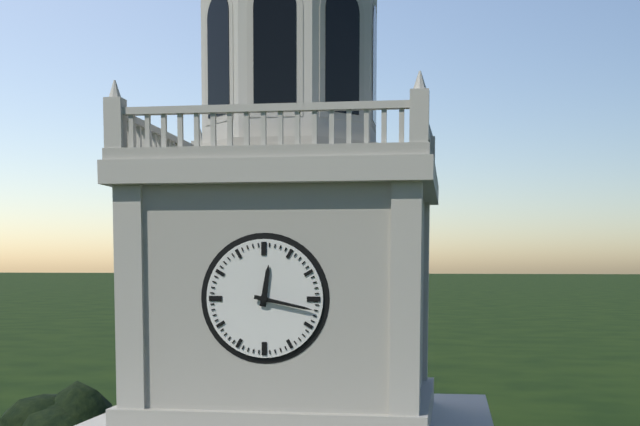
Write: 12,17
